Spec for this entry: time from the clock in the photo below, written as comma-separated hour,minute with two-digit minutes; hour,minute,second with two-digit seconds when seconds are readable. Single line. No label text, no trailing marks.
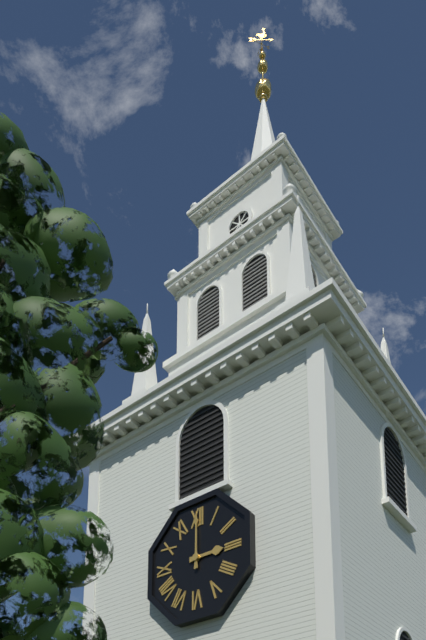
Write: 3,00
